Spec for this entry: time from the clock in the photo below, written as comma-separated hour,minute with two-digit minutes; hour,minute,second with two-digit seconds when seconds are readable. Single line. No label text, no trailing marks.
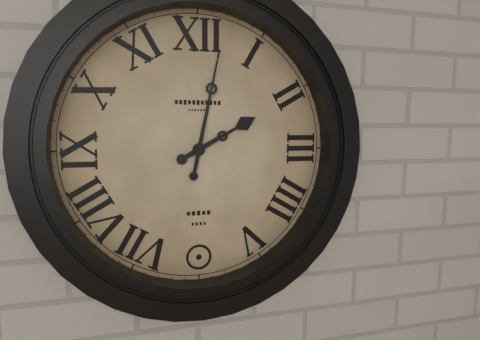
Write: 2,02
